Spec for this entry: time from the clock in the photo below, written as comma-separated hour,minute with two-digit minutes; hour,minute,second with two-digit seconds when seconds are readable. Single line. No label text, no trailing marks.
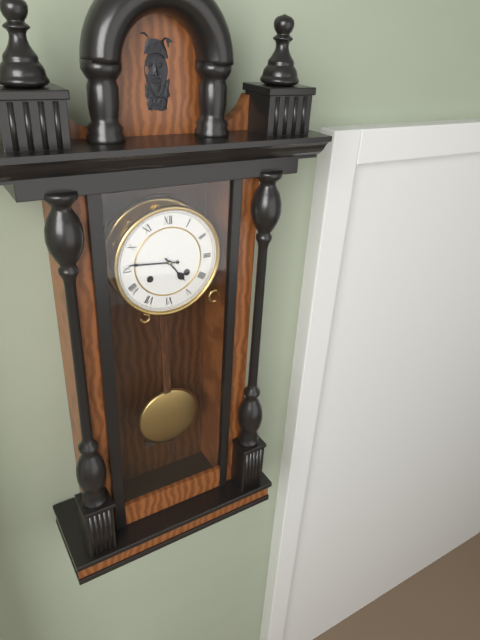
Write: 4,46
